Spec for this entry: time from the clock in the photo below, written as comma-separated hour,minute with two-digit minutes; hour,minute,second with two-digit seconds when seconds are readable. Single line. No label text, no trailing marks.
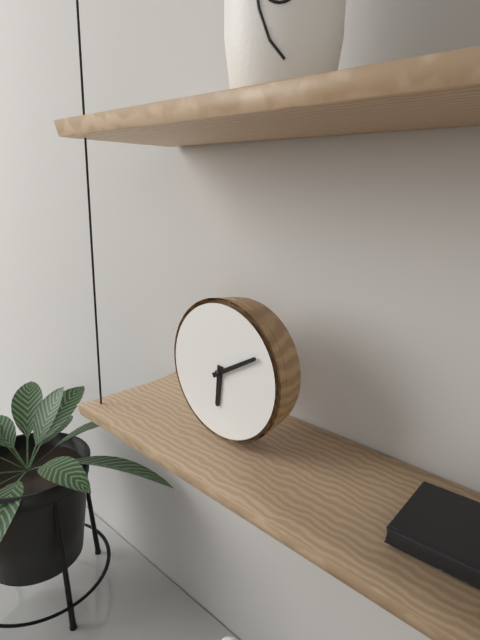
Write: 6,10
